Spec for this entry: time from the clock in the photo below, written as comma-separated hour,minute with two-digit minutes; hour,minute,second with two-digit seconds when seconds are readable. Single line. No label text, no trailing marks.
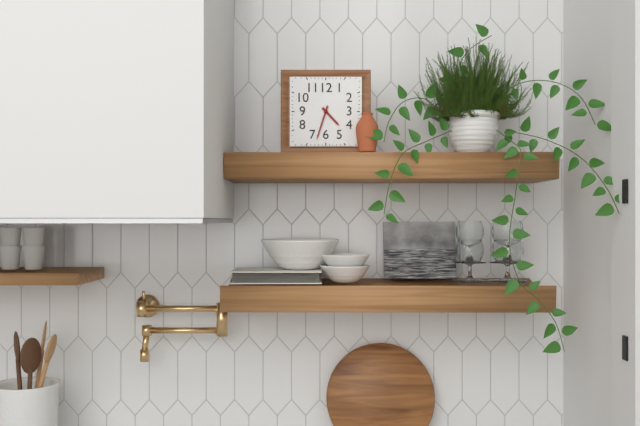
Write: 4,33
